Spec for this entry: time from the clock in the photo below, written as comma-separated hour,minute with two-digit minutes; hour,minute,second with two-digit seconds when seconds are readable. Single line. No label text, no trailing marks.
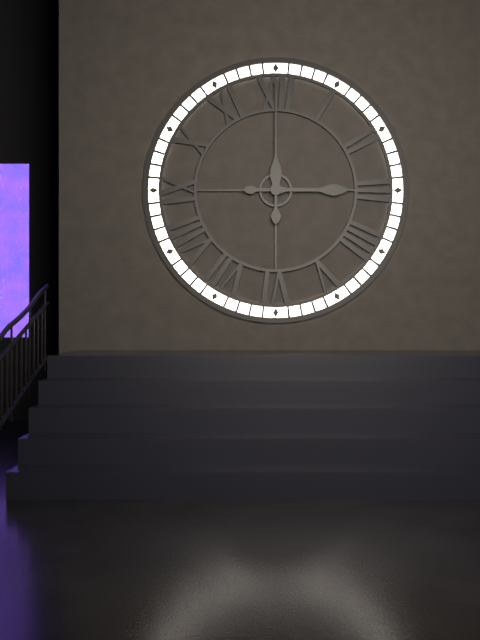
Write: 3,00
